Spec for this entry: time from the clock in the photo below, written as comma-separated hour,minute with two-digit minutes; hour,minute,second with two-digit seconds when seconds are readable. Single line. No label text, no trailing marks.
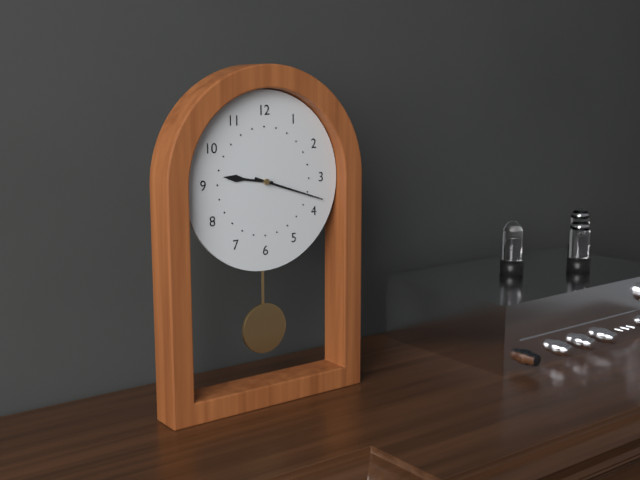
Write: 9,18
